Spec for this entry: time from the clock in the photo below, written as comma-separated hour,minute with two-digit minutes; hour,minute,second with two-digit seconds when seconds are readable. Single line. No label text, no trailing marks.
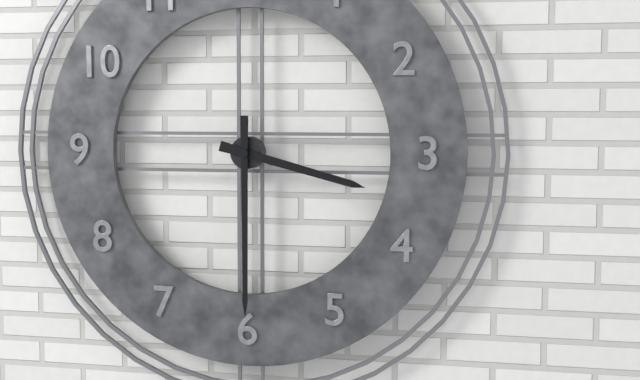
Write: 3,30
